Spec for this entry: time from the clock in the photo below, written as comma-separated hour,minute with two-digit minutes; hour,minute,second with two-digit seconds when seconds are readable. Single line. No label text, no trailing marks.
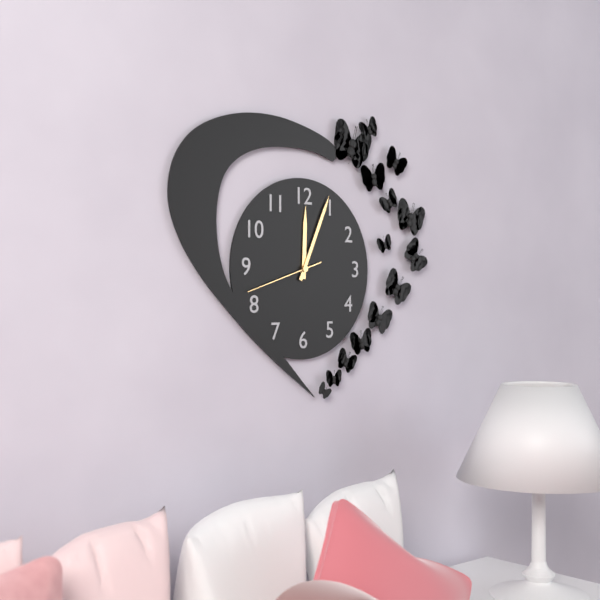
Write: 12,04,42
